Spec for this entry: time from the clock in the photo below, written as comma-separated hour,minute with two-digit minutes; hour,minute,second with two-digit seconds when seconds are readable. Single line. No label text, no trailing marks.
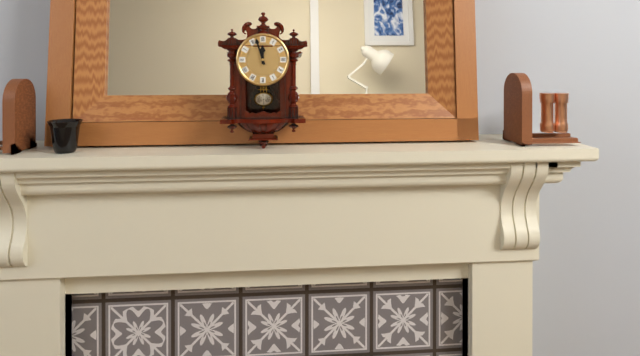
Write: 11,57
